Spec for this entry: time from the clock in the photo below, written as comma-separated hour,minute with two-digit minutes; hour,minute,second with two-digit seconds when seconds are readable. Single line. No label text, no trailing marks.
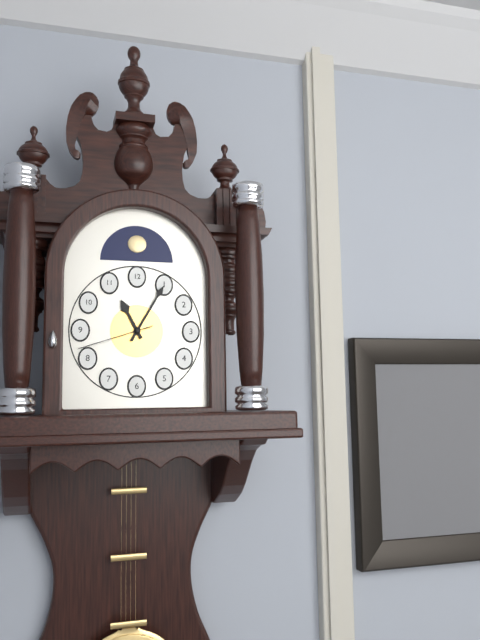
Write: 11,05,42
